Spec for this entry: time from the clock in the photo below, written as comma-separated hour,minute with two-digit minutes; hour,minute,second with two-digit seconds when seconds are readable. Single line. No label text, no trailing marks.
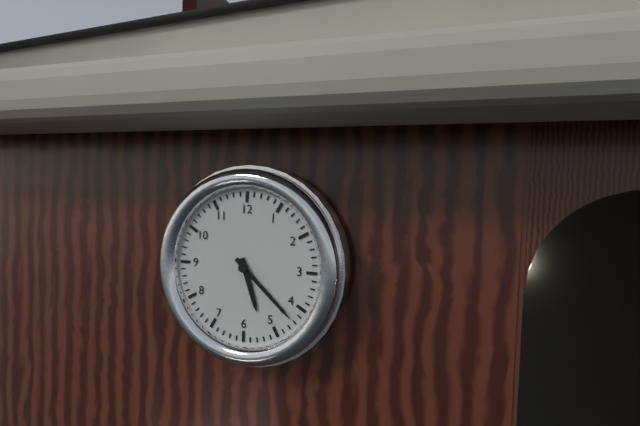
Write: 5,22
